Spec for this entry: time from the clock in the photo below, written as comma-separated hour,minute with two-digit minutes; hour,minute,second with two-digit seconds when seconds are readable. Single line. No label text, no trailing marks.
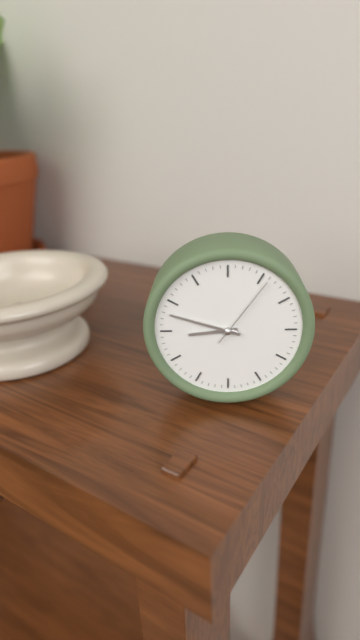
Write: 8,48,06
